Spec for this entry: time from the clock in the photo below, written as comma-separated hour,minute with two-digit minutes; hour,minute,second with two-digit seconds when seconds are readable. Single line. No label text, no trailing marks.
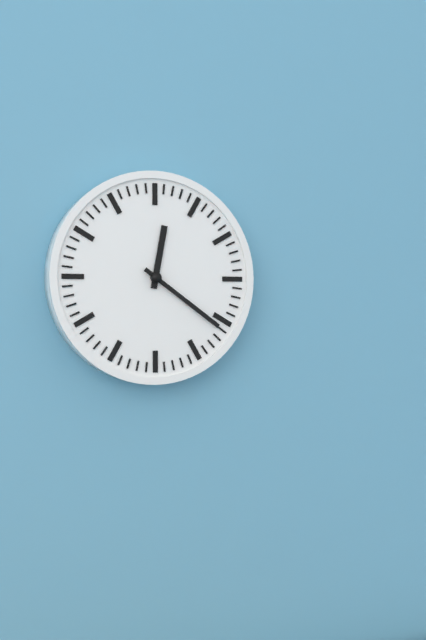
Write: 12,21
